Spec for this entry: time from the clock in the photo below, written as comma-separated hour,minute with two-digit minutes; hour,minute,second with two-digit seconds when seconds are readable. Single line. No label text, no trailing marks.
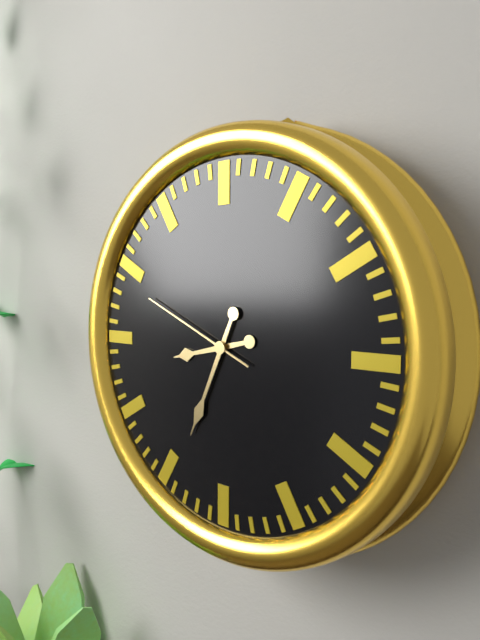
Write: 8,34,49
